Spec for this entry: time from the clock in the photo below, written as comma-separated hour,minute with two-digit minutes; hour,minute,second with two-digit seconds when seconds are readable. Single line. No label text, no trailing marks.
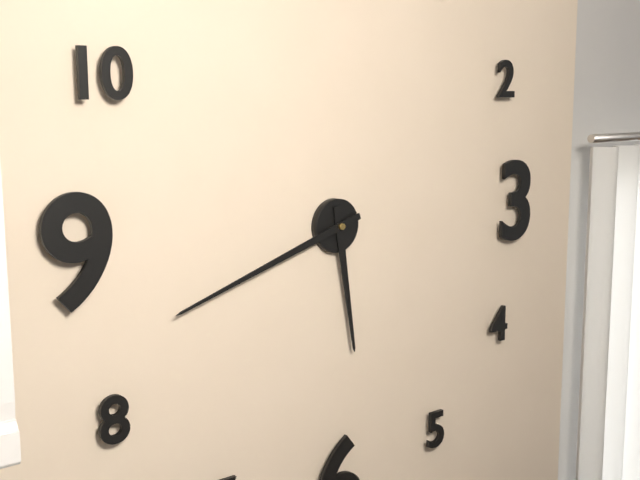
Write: 5,42
